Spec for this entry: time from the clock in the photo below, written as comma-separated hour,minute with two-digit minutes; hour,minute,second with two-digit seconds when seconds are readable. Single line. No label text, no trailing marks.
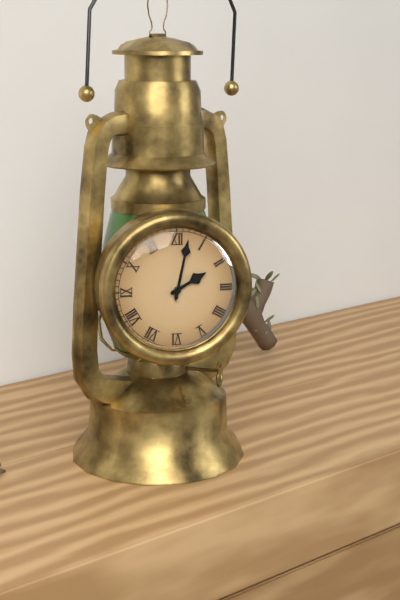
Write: 2,02
